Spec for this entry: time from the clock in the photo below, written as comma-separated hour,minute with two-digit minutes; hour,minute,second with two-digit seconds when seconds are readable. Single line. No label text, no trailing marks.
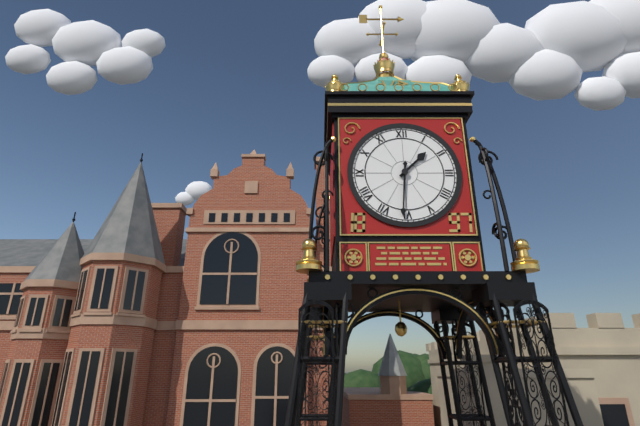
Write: 1,31
